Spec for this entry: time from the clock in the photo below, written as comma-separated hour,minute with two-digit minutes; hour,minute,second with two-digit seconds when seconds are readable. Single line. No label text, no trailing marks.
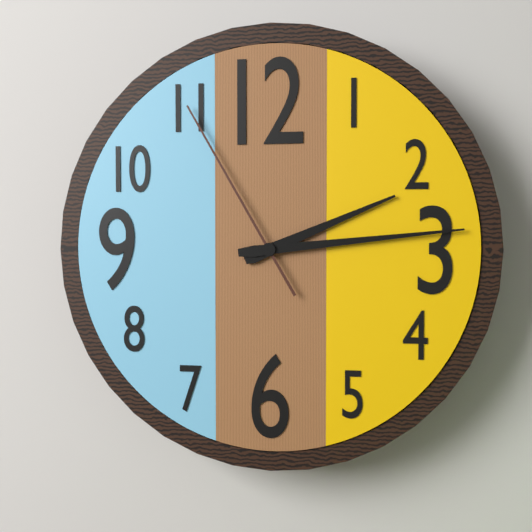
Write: 2,14,55
